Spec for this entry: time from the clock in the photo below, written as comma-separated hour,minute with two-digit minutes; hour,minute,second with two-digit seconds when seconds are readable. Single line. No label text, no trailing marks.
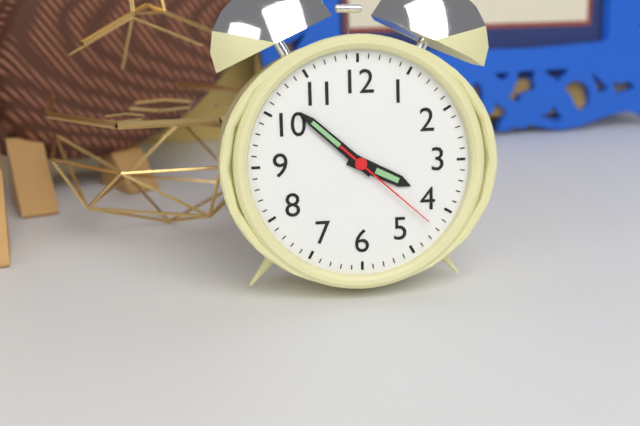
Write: 3,52,22
